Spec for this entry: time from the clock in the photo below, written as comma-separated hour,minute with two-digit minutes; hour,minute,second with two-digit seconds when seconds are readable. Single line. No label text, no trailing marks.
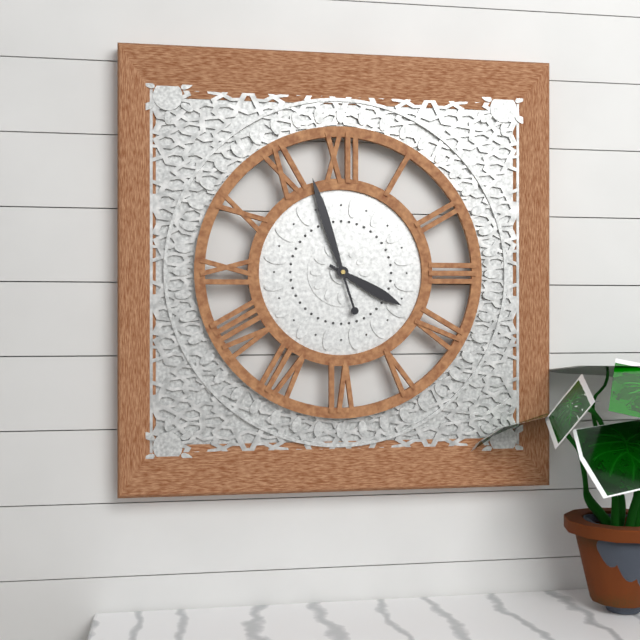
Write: 3,57
